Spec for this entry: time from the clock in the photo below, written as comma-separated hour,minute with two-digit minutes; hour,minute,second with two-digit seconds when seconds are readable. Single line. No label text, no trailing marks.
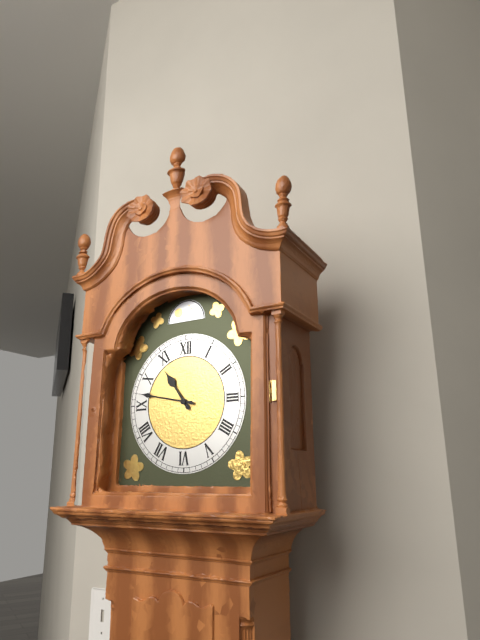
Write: 10,47
